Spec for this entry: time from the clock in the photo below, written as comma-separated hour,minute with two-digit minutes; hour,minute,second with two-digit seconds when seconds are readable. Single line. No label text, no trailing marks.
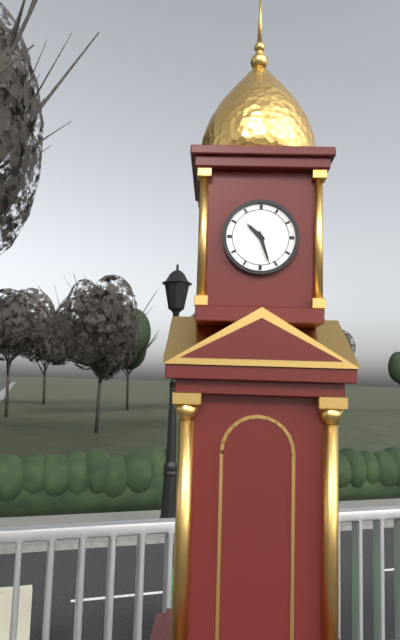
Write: 10,27
